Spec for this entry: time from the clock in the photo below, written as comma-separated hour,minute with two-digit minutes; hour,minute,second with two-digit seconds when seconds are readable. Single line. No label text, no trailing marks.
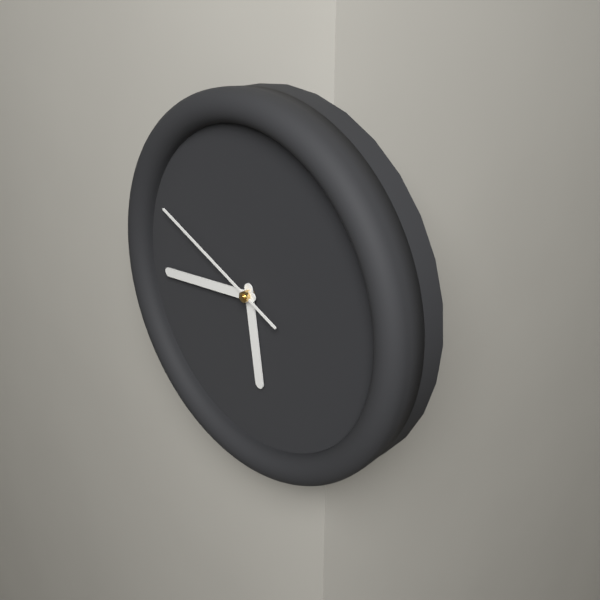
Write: 5,44,49
